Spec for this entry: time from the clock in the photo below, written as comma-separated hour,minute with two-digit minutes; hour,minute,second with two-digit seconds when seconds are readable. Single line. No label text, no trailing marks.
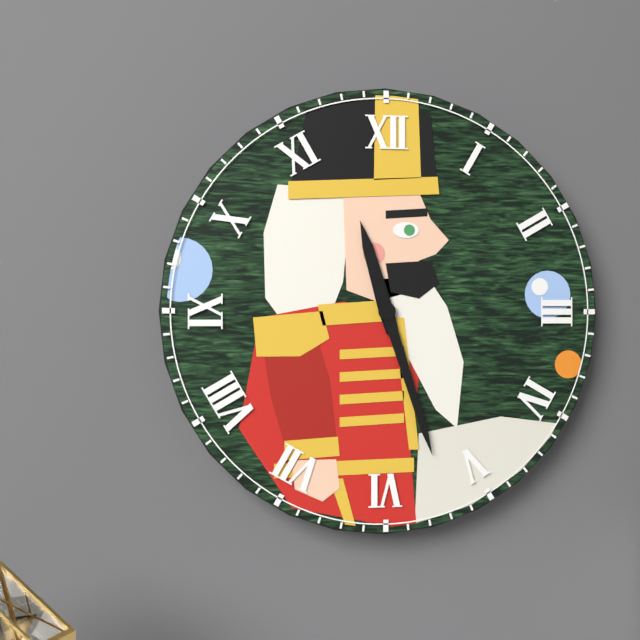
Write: 11,27
